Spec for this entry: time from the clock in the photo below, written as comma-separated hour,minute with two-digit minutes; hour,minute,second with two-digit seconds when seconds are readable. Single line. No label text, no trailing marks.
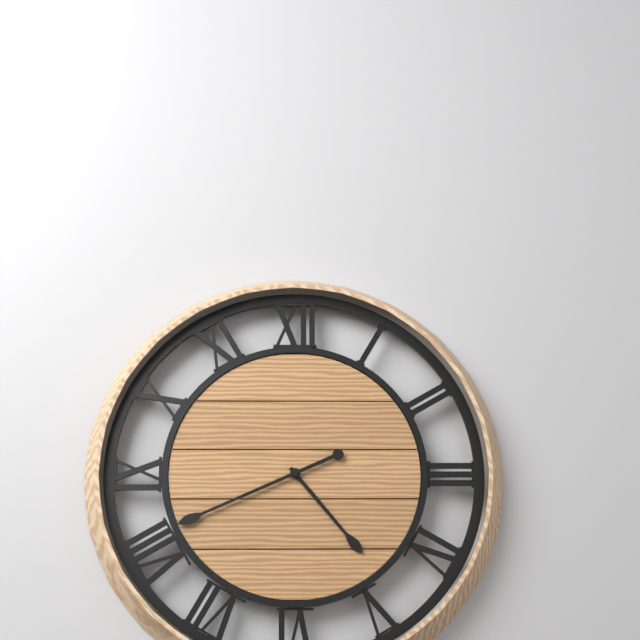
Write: 4,41
